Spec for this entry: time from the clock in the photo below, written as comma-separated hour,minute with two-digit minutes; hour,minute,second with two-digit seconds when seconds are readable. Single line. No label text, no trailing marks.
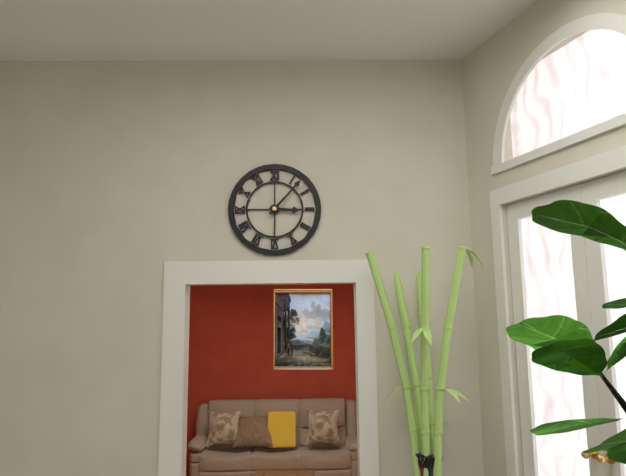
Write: 3,07
